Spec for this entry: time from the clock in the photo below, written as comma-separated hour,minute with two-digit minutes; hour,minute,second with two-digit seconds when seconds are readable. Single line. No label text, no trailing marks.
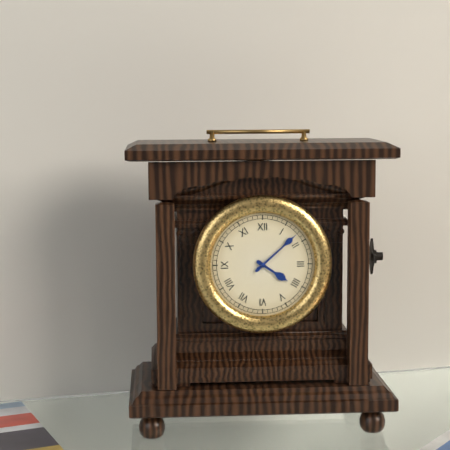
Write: 4,08
